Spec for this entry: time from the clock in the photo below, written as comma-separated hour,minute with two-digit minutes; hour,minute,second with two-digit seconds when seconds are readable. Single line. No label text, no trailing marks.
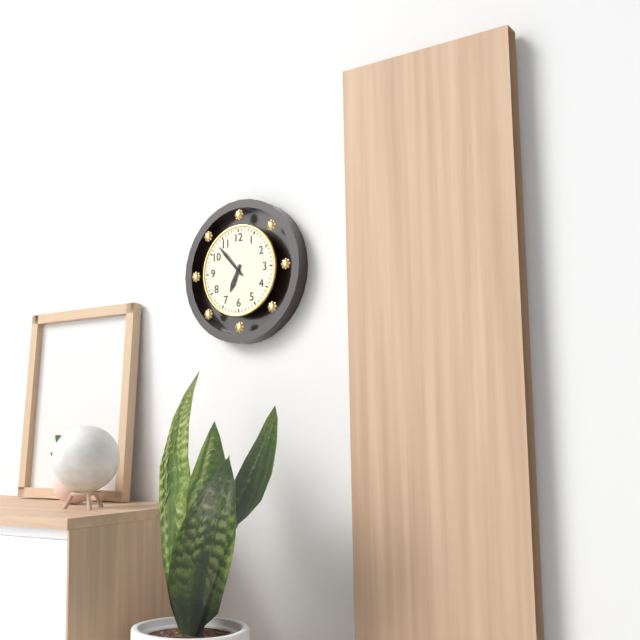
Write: 6,53
